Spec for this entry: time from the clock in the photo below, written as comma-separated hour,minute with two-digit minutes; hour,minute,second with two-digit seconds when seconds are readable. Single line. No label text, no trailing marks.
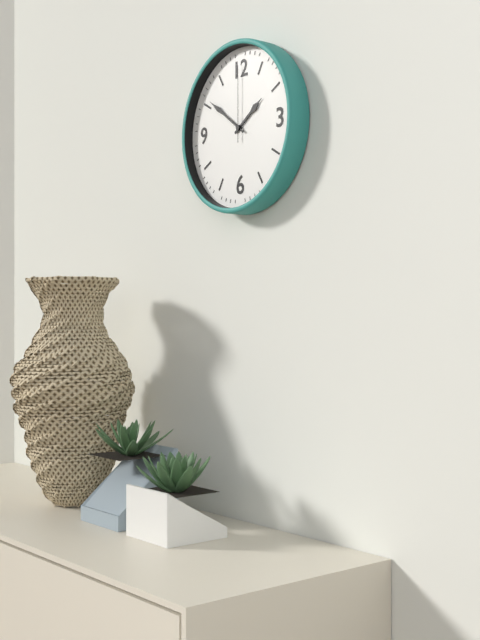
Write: 1,51,00
